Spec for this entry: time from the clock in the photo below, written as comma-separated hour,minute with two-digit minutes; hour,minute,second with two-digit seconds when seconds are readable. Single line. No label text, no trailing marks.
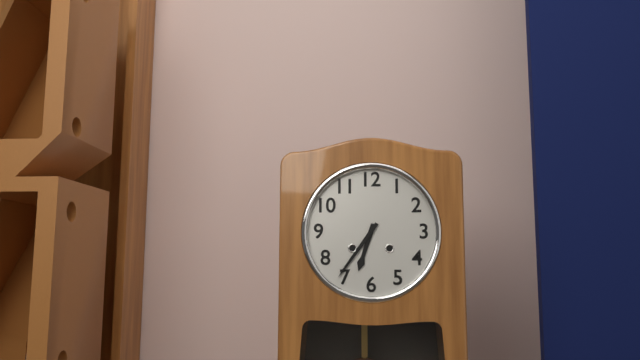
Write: 6,36
